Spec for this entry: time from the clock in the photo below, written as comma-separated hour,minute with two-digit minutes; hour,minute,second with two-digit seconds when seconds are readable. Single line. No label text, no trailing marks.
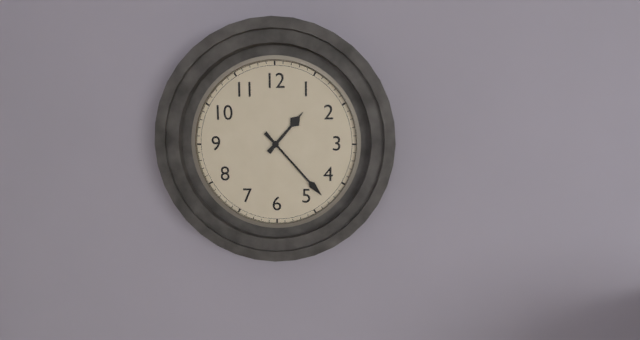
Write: 1,23
